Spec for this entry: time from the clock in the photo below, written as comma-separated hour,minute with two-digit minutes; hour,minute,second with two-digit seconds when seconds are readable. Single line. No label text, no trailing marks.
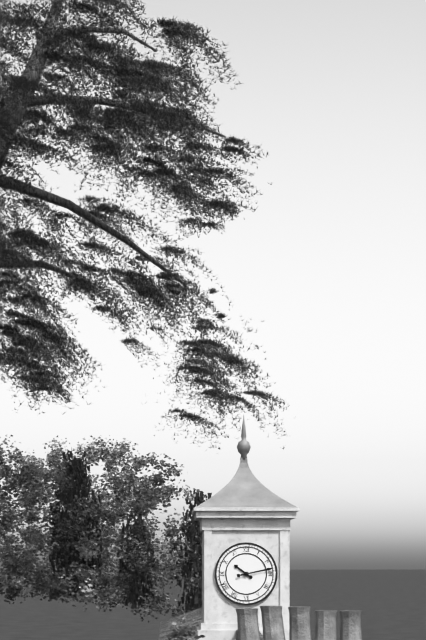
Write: 10,13
